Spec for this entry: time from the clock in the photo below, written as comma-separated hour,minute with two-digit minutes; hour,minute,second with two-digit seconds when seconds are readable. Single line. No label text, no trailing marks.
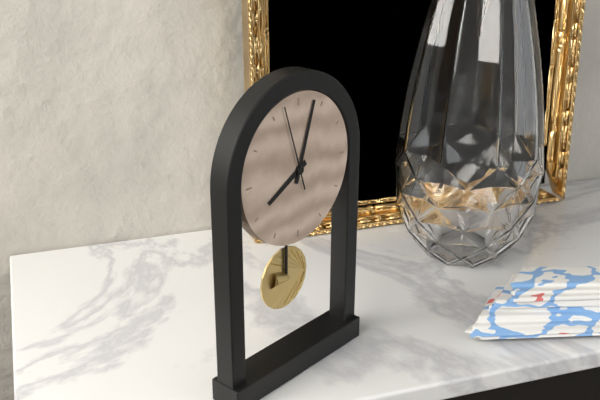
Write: 8,03,57
